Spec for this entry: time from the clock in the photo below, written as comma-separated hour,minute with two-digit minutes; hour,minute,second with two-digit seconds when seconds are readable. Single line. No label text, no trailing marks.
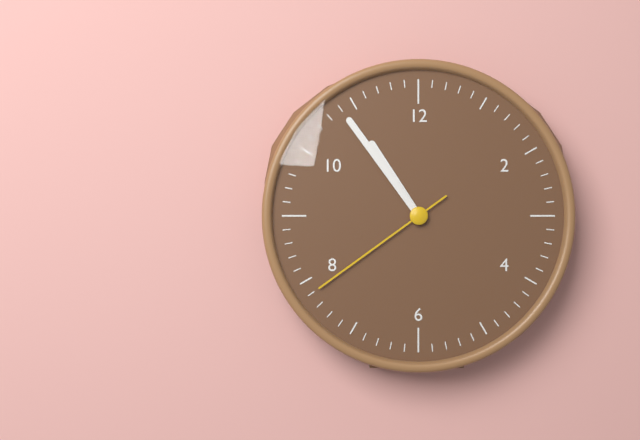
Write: 10,54,39
